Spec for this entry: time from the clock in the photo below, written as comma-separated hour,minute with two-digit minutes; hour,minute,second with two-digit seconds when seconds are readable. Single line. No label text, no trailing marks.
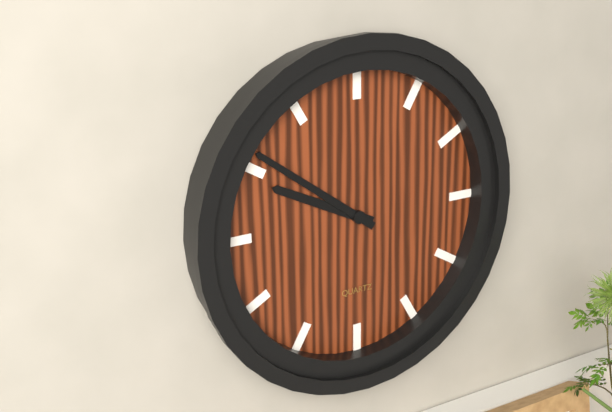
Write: 9,51
